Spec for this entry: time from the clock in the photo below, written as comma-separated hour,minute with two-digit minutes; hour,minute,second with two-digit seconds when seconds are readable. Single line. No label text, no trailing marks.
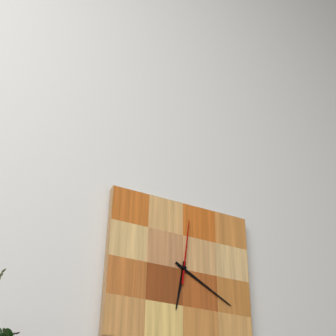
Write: 6,20,01
